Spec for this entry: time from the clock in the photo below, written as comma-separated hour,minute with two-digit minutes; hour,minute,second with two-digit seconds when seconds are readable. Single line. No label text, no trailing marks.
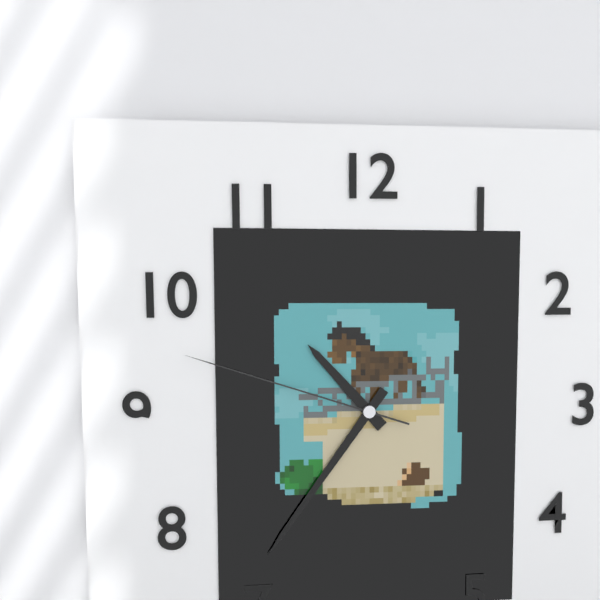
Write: 10,36,48
